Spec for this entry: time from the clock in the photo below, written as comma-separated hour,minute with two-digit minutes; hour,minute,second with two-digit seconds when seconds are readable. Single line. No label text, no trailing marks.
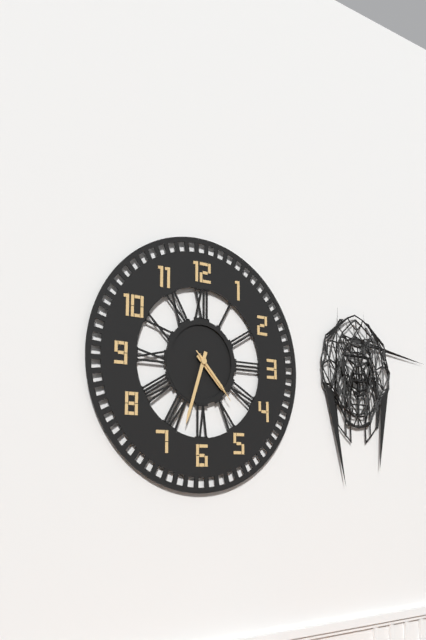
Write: 4,33,23
